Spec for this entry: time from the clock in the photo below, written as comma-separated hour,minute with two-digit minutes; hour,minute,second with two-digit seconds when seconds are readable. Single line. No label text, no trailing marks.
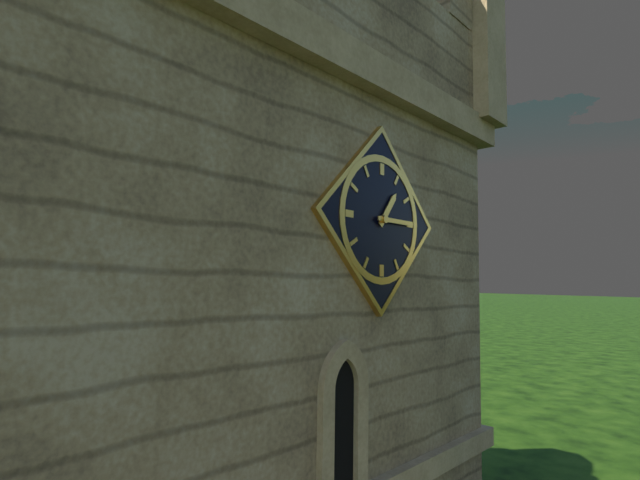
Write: 1,15
